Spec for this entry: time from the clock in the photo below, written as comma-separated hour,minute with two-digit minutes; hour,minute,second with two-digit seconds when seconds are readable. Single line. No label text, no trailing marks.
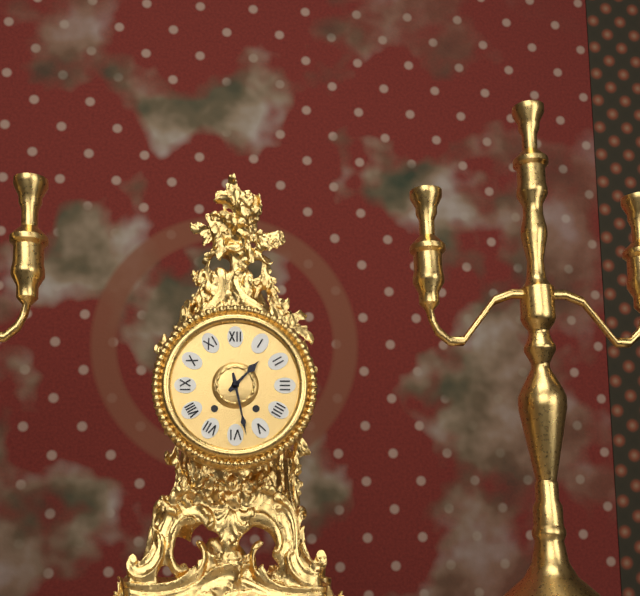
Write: 1,28
